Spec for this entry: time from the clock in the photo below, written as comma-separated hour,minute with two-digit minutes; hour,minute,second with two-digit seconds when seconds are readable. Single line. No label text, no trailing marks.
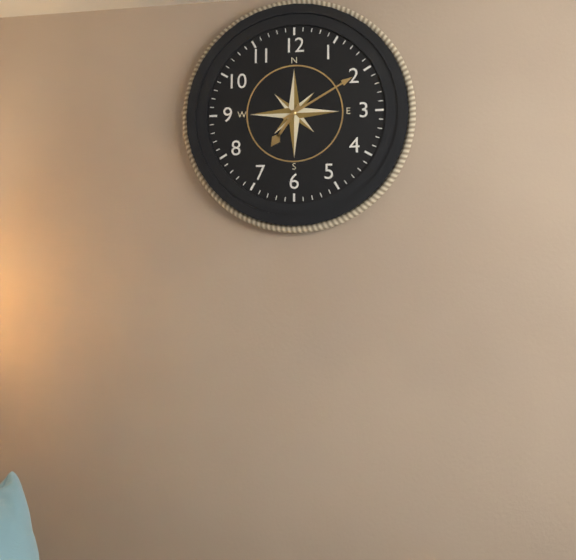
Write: 7,10
